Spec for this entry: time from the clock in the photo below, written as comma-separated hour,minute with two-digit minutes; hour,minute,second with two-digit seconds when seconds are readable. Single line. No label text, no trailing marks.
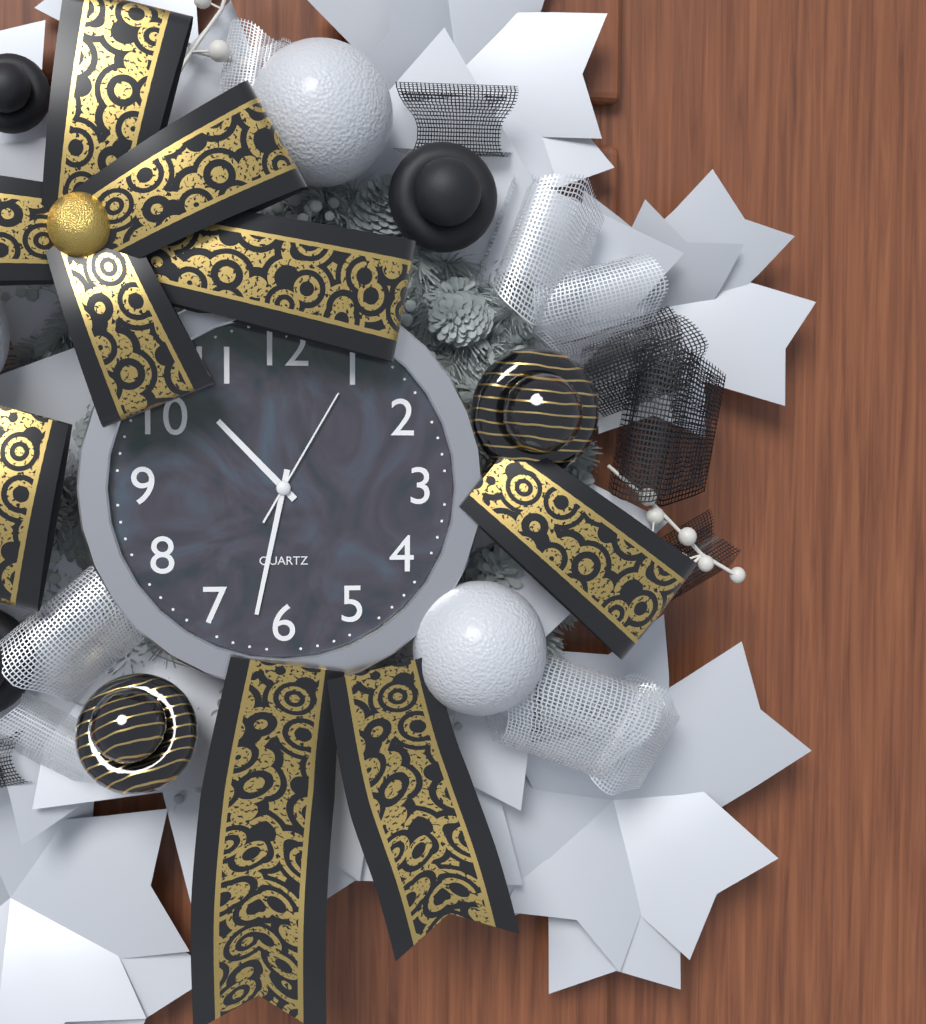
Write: 10,32,05
